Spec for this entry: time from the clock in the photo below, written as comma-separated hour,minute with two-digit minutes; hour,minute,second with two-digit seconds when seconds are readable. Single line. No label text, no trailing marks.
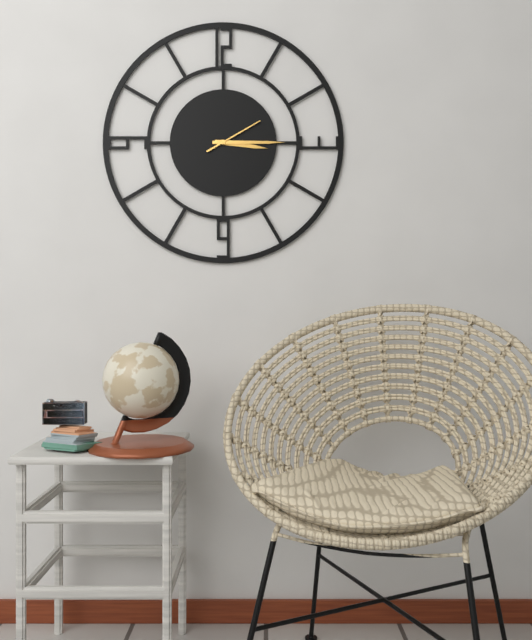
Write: 3,15,10
